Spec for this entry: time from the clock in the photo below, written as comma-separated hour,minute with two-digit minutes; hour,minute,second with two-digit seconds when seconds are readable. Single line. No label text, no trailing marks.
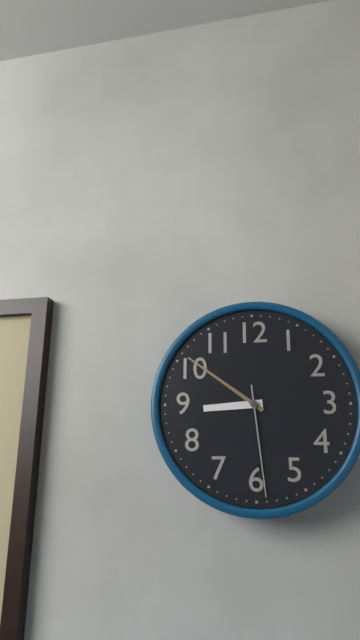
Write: 8,51,29
